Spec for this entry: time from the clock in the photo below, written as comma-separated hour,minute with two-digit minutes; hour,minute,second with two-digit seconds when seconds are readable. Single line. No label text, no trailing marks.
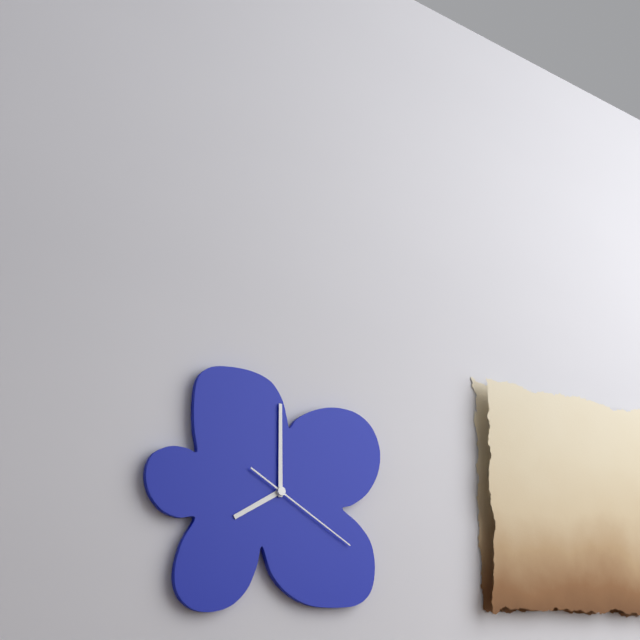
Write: 8,00,20
